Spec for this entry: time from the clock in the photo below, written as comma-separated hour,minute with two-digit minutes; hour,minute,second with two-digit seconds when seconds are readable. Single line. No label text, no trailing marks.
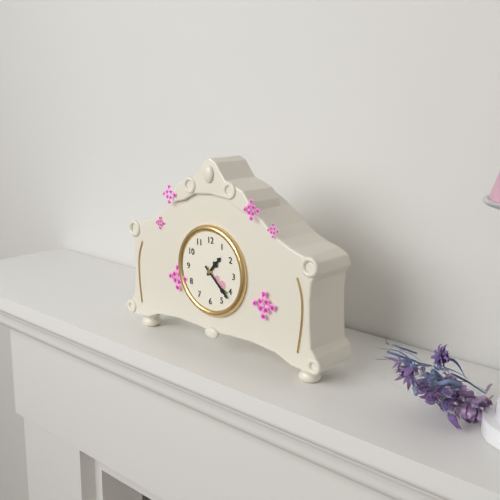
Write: 1,22
